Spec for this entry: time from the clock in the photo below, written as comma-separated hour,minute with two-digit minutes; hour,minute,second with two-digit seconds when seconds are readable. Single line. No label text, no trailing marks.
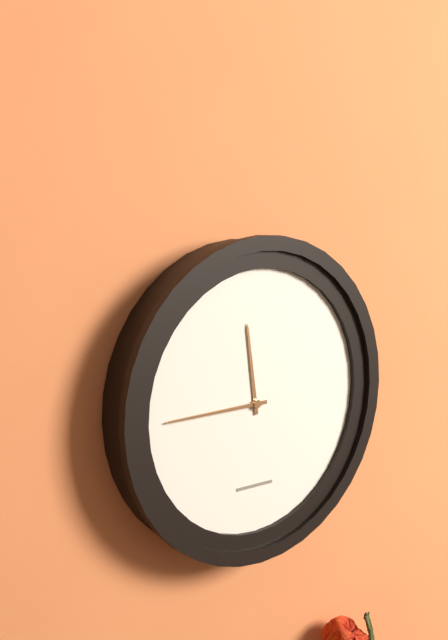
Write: 11,45
